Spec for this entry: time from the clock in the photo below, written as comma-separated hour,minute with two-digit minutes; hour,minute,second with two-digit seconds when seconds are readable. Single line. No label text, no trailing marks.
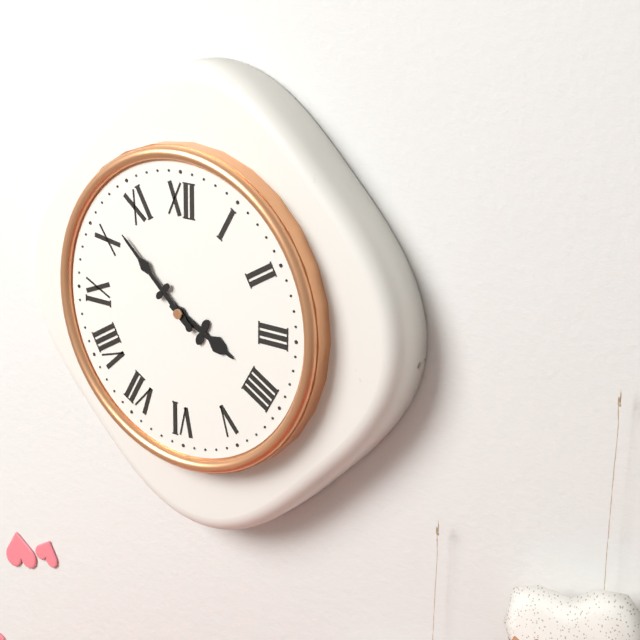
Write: 3,52
